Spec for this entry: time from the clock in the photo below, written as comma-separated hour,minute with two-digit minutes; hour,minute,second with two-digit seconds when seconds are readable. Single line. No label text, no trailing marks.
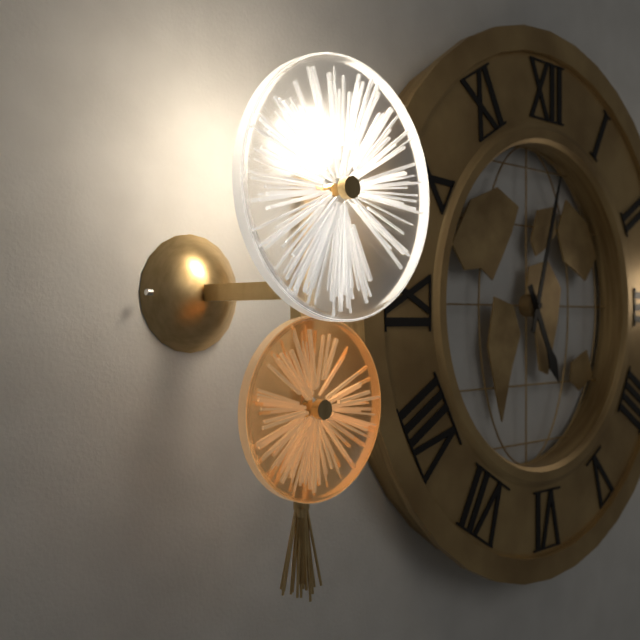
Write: 5,03
